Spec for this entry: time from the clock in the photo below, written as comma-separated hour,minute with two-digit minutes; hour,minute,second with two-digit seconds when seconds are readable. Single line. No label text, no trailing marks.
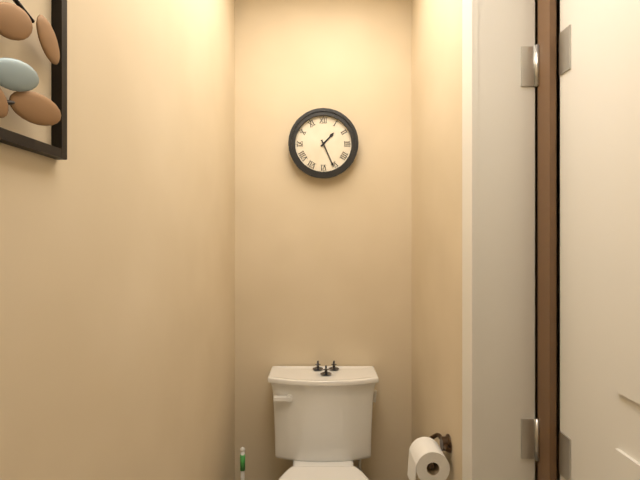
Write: 1,26
